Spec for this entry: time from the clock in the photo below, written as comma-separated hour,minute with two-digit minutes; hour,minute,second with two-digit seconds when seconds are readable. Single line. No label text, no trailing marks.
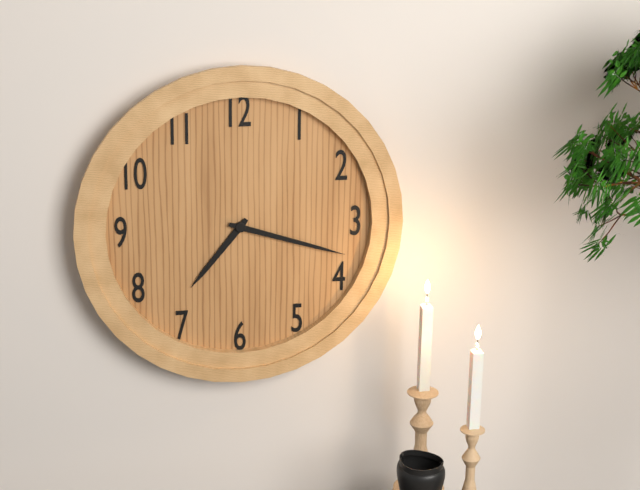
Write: 7,18
